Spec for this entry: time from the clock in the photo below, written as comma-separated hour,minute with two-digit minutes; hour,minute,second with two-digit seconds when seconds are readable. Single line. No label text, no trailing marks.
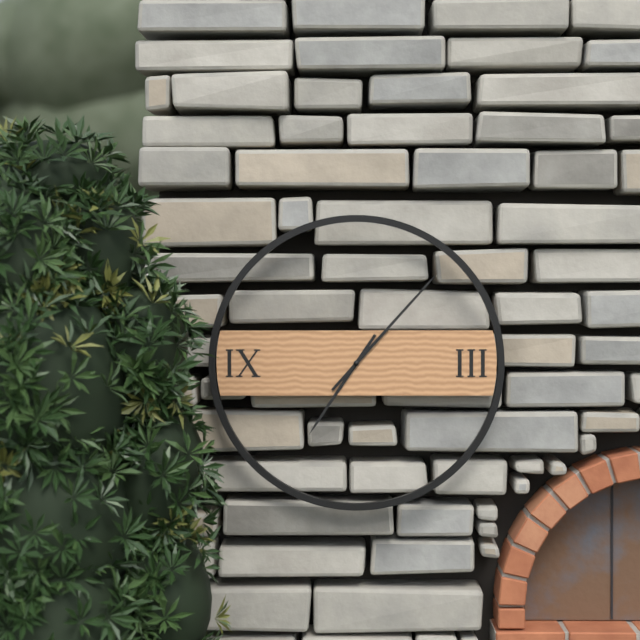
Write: 7,07
